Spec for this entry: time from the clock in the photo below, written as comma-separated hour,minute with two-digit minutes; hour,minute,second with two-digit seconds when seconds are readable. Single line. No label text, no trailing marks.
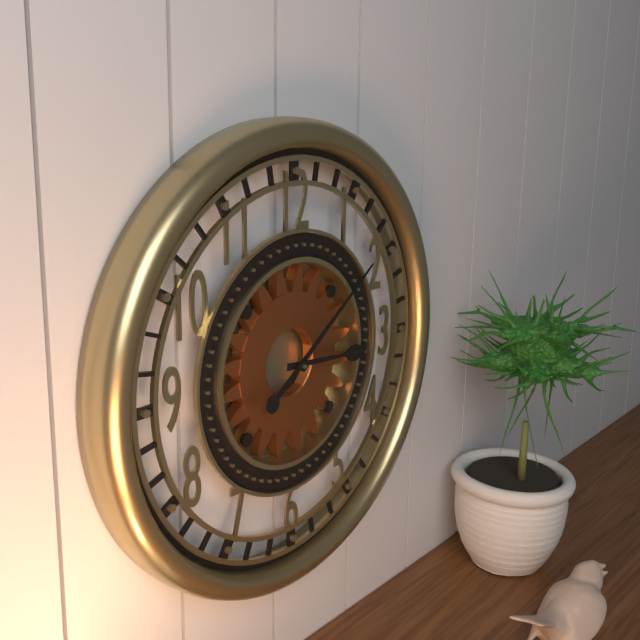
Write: 3,09
